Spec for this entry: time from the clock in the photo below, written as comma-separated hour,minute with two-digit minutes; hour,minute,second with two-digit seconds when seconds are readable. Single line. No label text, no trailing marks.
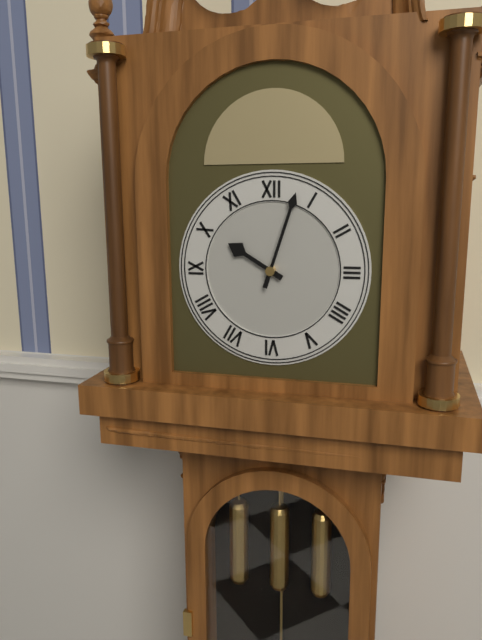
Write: 10,03
